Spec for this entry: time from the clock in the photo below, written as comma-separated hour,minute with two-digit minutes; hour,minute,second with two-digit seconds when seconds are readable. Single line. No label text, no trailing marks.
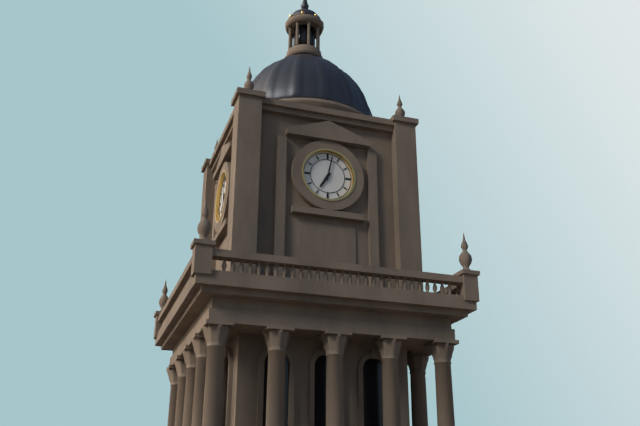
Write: 7,02
